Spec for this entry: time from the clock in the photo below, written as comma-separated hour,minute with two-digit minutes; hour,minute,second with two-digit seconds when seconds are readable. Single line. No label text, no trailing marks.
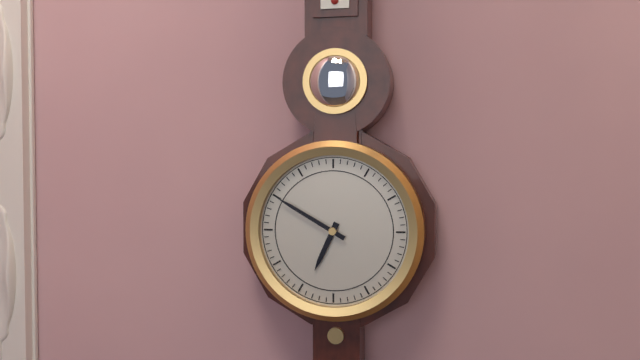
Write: 6,50
